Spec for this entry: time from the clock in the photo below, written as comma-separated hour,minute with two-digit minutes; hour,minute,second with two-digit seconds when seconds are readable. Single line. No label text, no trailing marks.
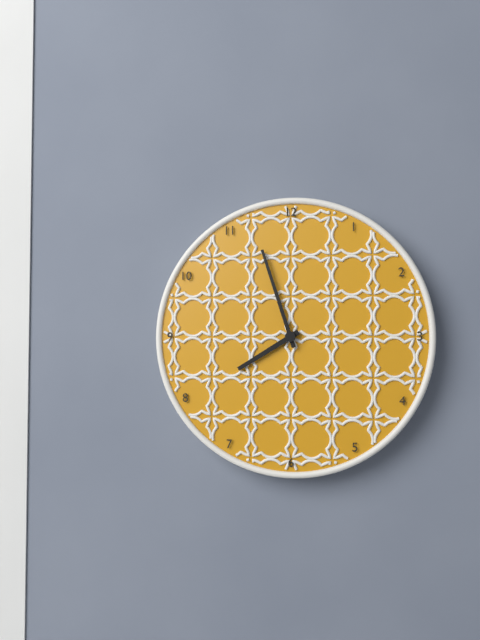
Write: 7,57
